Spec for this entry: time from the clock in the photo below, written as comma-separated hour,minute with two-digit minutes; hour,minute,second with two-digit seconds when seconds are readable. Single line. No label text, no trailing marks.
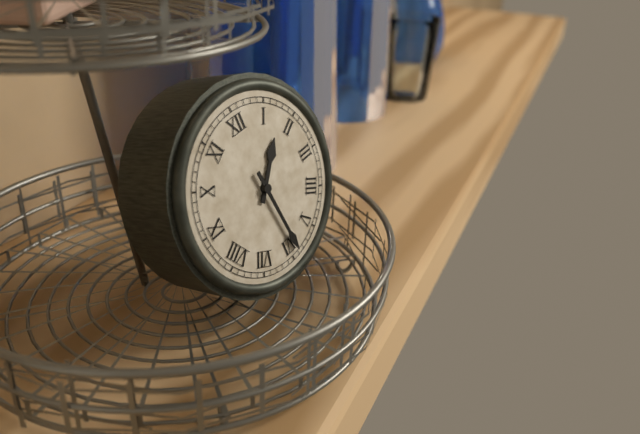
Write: 1,29
